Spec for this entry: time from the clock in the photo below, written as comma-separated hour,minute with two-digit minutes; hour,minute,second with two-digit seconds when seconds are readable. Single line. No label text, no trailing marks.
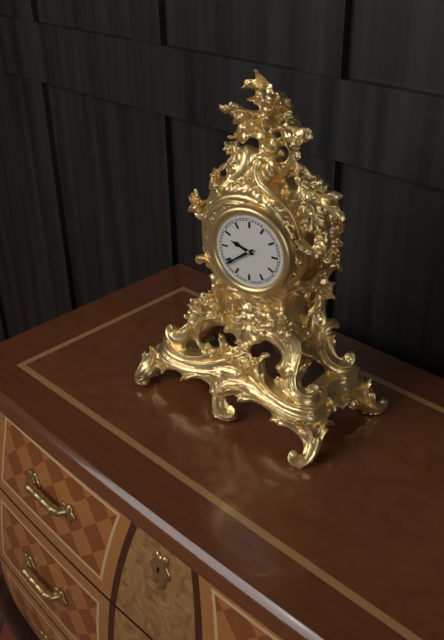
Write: 9,39
